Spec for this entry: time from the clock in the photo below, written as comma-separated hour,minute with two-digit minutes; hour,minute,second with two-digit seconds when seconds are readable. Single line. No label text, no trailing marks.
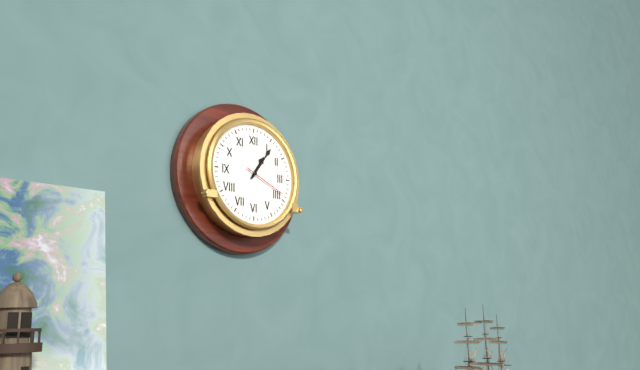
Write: 1,06
